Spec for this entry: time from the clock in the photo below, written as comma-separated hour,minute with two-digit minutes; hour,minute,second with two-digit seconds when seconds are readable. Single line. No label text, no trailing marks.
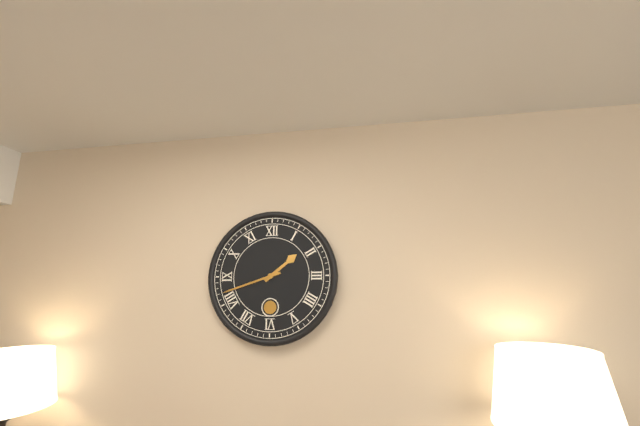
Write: 1,42
